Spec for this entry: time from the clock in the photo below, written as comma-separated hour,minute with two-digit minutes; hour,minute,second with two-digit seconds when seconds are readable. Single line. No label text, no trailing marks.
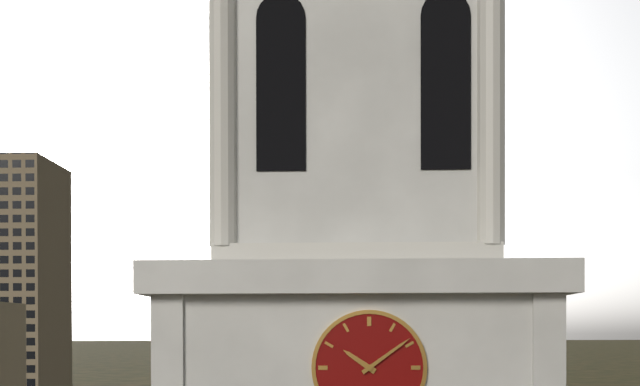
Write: 10,09
